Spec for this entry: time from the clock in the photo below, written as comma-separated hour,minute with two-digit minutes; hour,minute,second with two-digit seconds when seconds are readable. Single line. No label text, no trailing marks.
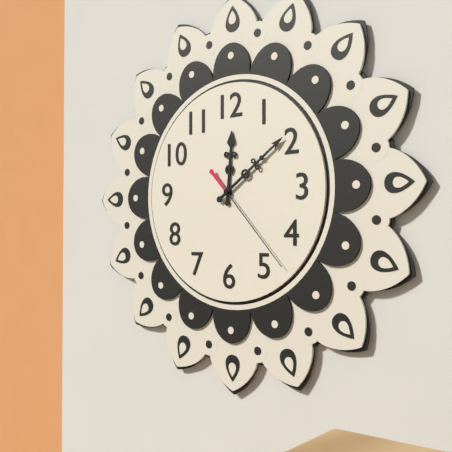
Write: 12,09,23
